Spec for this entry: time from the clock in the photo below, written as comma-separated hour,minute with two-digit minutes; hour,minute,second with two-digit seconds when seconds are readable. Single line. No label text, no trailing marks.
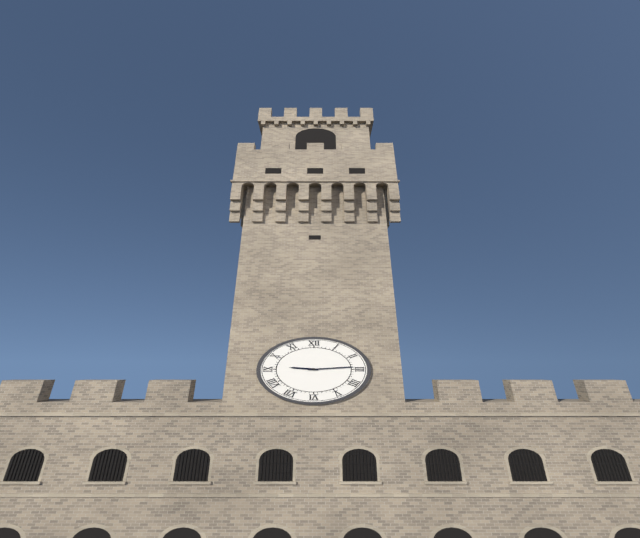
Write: 9,14
